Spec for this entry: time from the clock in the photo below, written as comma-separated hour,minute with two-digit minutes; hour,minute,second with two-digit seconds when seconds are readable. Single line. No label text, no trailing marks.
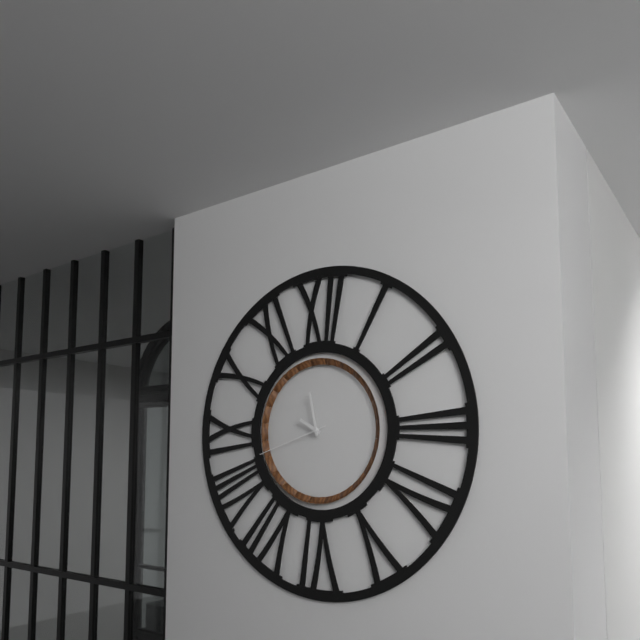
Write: 9,58,42
